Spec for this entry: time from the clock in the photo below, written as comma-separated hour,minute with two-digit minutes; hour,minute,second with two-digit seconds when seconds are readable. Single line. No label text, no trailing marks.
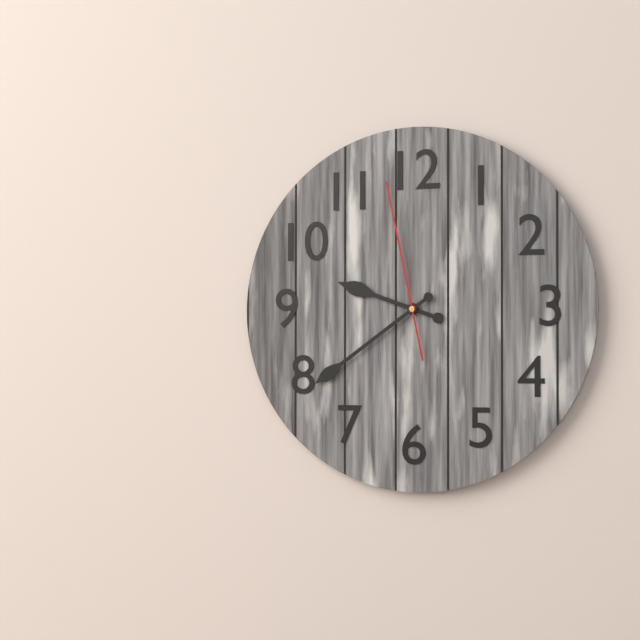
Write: 9,39,58
